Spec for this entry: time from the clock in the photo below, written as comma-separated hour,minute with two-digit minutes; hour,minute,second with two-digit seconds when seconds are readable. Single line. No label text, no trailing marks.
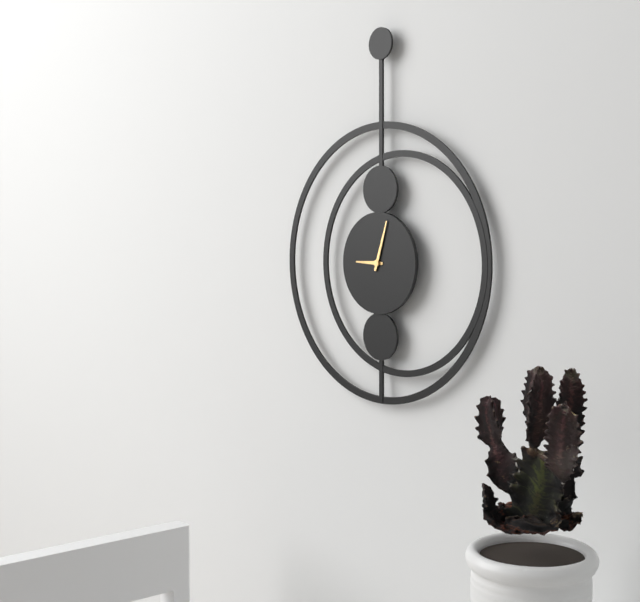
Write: 9,03
